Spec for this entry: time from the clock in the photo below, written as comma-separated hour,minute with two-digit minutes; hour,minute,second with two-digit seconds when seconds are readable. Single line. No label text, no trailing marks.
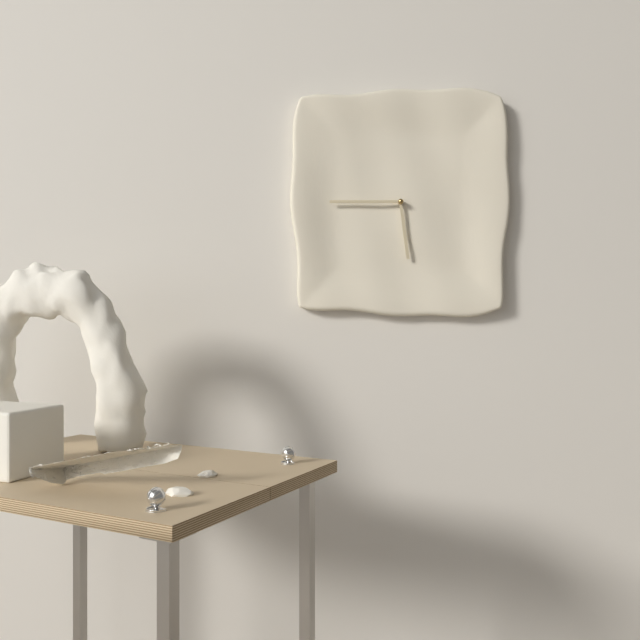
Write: 5,45
